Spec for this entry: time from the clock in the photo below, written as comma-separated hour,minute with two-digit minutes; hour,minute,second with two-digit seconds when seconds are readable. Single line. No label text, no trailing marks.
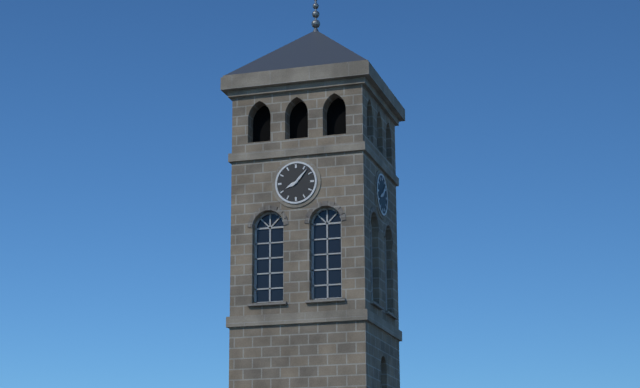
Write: 8,07
